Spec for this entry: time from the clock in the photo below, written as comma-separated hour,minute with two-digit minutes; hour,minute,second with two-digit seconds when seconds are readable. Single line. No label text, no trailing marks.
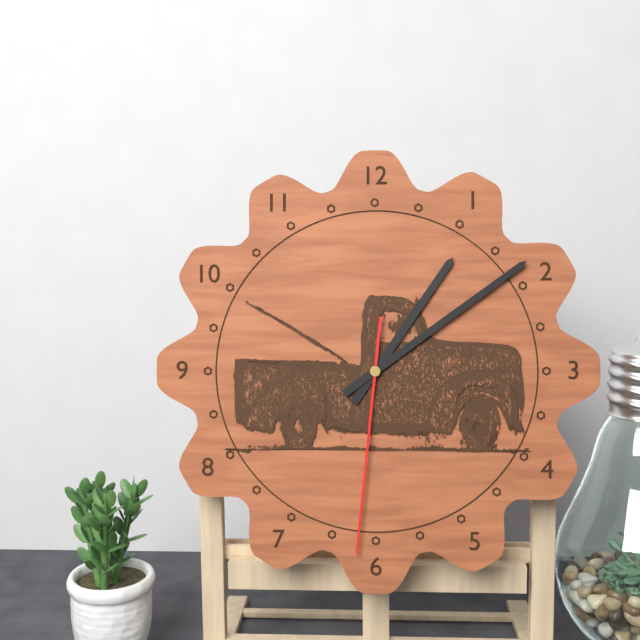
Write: 1,09,31
